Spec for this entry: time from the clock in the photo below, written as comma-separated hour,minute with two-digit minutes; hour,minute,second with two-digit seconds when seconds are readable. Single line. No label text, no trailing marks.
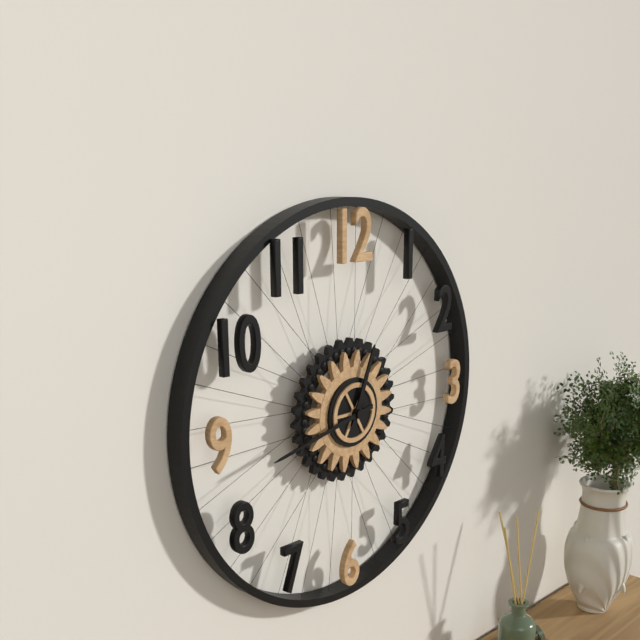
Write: 12,43
